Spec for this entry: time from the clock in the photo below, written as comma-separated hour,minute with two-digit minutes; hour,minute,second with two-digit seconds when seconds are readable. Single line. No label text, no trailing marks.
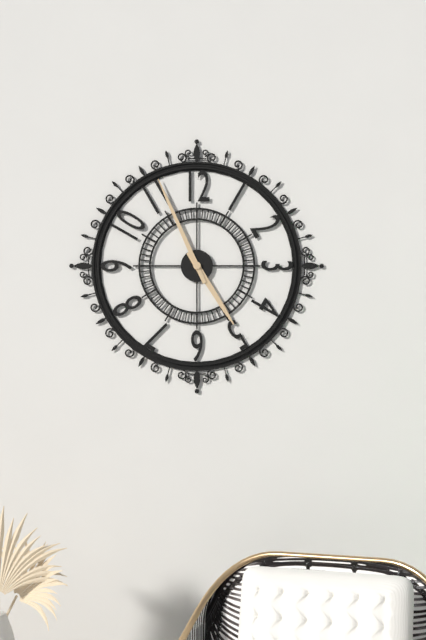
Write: 4,56
